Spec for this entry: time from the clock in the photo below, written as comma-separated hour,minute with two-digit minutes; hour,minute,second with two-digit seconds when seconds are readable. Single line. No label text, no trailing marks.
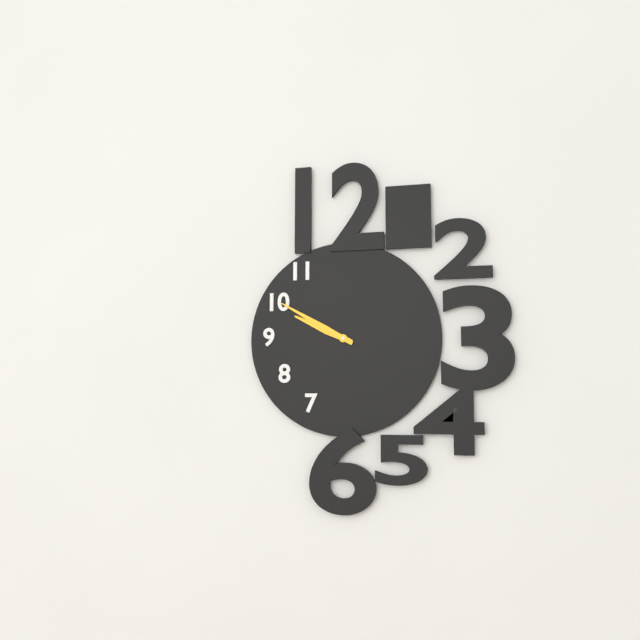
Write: 9,50
